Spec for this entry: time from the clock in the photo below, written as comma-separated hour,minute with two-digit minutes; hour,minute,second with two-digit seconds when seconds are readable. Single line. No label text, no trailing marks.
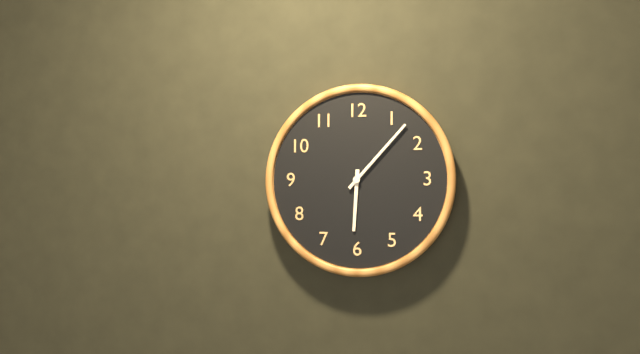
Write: 6,07
